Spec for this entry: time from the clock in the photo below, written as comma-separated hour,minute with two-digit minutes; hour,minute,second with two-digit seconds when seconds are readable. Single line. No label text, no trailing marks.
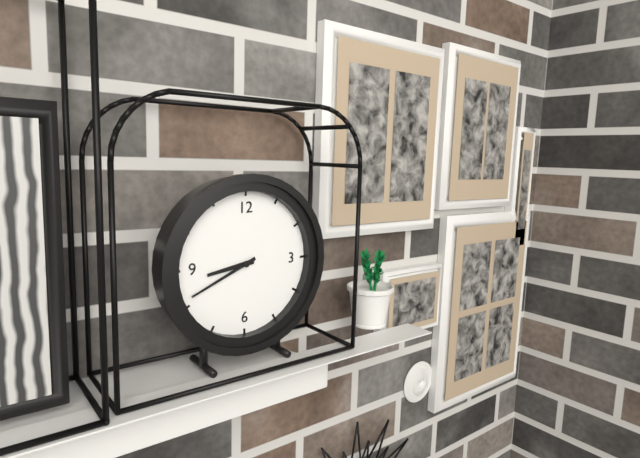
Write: 8,41
